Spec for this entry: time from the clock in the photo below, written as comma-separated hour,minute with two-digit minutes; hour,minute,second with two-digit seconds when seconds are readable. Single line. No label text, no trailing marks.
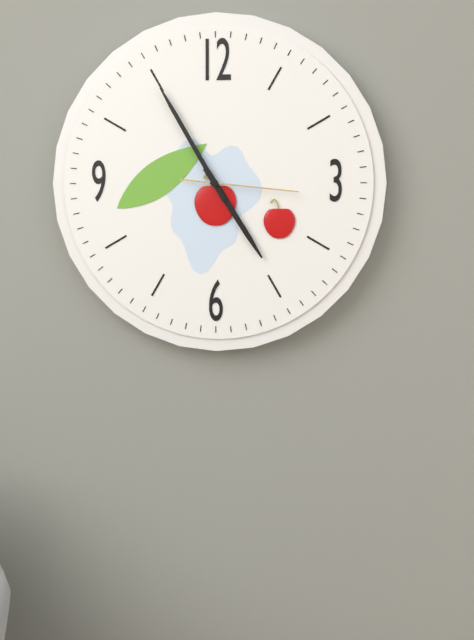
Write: 4,55,16
